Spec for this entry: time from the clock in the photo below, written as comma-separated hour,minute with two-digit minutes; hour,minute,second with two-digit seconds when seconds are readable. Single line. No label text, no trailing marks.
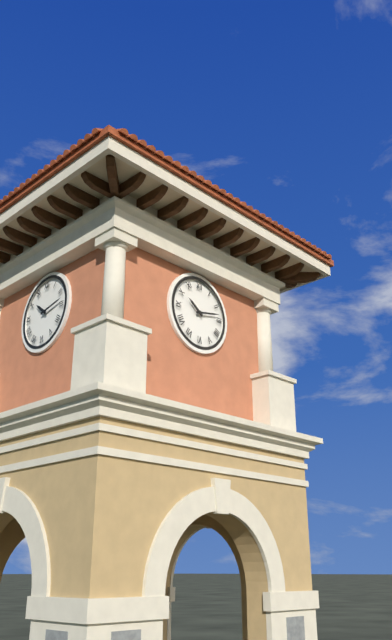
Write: 10,13
